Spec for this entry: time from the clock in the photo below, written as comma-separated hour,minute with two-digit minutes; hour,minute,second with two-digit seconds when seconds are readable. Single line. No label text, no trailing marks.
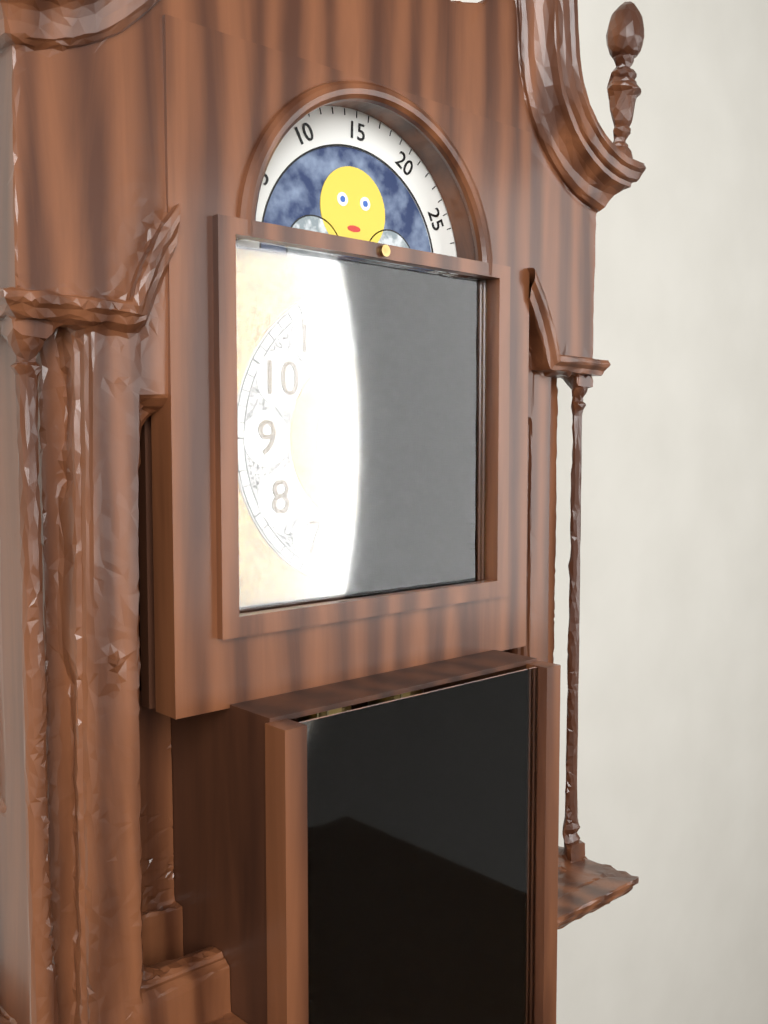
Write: 2,16
